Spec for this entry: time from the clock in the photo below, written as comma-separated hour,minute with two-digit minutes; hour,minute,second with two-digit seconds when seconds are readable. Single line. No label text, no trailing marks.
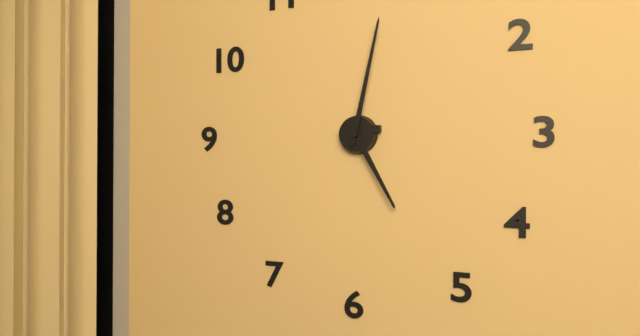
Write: 5,02
